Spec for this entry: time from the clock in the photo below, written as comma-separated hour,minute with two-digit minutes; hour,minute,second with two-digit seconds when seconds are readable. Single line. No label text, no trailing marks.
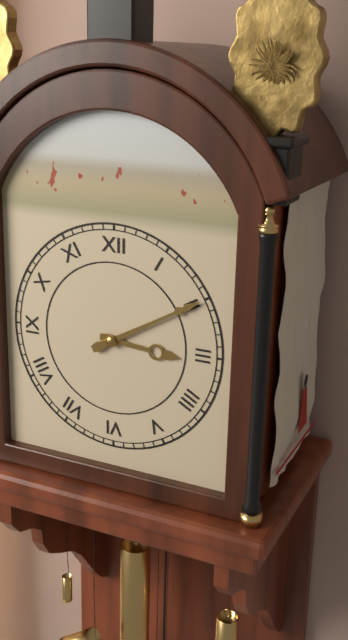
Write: 3,10
